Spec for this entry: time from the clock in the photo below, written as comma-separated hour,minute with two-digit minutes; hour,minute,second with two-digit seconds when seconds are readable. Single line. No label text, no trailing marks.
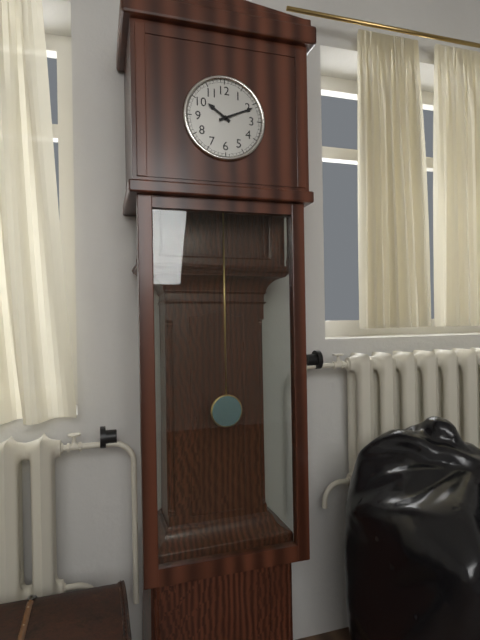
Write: 10,11
